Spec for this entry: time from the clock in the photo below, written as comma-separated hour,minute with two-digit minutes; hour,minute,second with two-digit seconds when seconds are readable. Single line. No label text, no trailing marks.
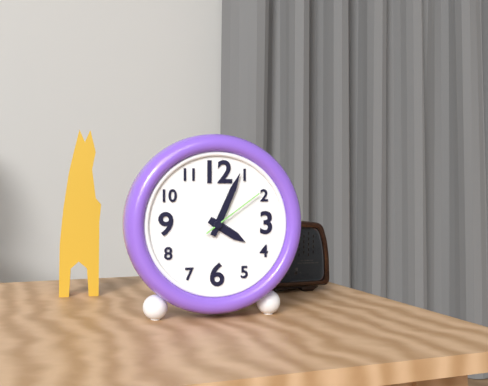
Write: 4,04,09
